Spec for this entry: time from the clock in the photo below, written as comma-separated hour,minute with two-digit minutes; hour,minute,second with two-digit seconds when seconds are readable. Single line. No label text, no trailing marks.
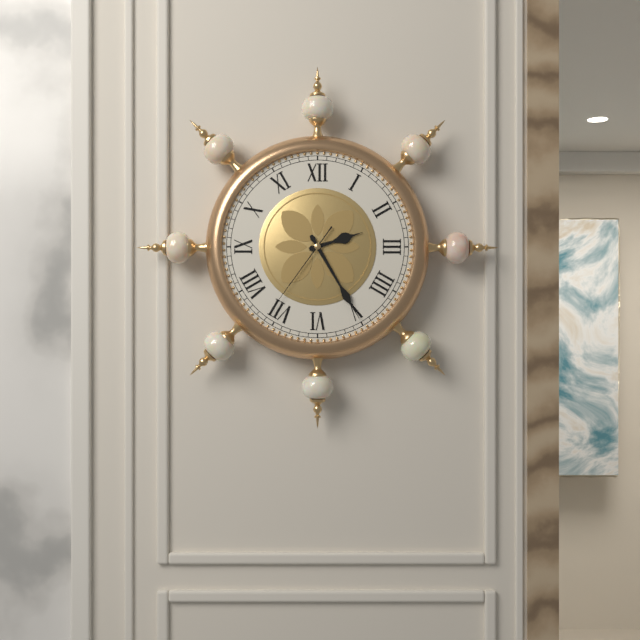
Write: 2,25,36
